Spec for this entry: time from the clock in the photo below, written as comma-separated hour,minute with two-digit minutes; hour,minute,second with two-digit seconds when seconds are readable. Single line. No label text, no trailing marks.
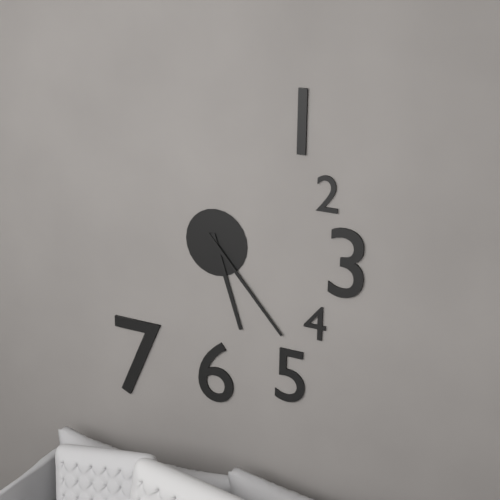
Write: 5,23
